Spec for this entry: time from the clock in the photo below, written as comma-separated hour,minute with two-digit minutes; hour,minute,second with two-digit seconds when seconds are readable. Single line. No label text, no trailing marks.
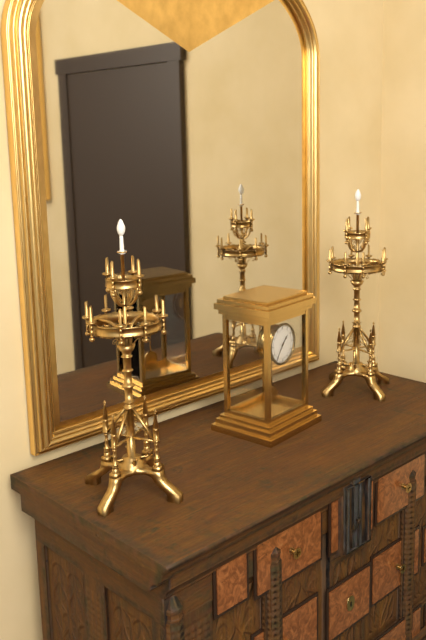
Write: 1,36
